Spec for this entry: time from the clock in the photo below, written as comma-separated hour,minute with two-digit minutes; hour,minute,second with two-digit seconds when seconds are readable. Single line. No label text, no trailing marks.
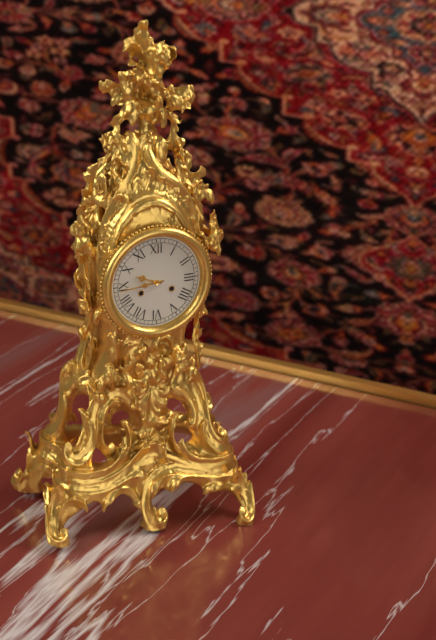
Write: 9,44
